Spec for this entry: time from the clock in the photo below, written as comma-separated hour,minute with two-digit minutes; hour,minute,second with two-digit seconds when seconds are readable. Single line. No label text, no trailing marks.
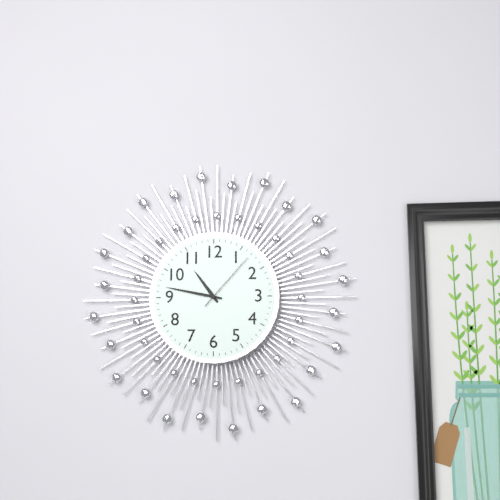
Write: 10,47,07
